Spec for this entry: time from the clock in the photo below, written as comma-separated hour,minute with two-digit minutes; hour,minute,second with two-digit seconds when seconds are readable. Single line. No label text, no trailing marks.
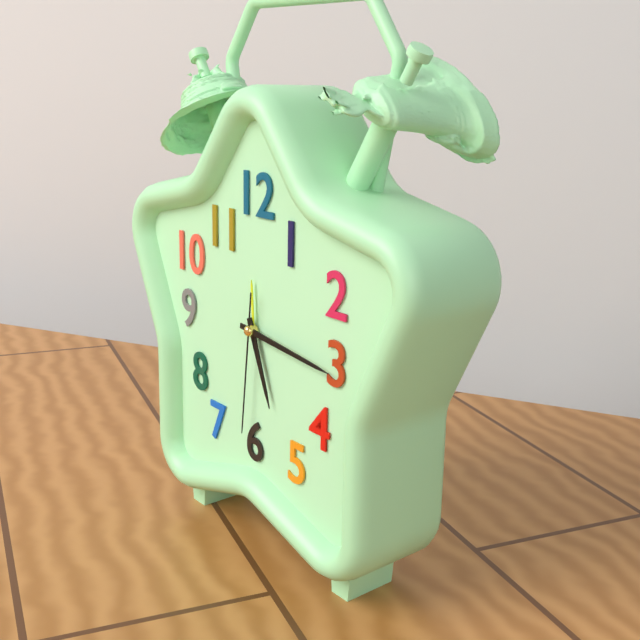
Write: 5,16,31
